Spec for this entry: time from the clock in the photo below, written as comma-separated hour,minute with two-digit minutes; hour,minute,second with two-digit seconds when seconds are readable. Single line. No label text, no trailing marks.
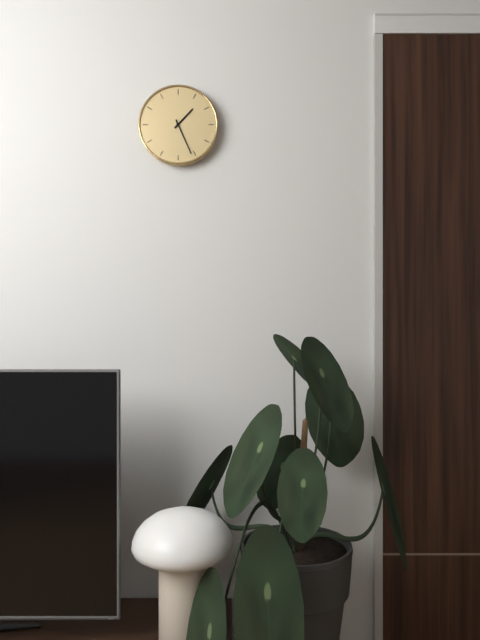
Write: 1,26
